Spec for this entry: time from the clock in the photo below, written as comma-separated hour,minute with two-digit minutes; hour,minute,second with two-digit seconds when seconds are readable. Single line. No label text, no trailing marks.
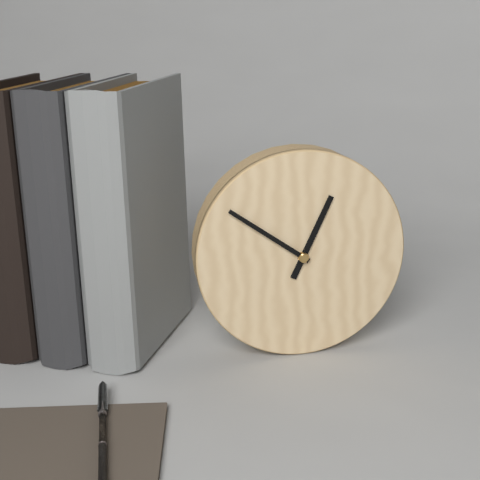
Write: 12,51
